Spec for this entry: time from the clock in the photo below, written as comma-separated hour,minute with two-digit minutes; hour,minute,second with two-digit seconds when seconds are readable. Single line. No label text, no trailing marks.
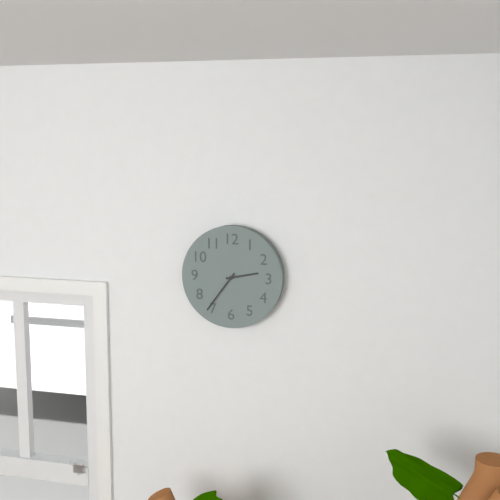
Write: 2,36
